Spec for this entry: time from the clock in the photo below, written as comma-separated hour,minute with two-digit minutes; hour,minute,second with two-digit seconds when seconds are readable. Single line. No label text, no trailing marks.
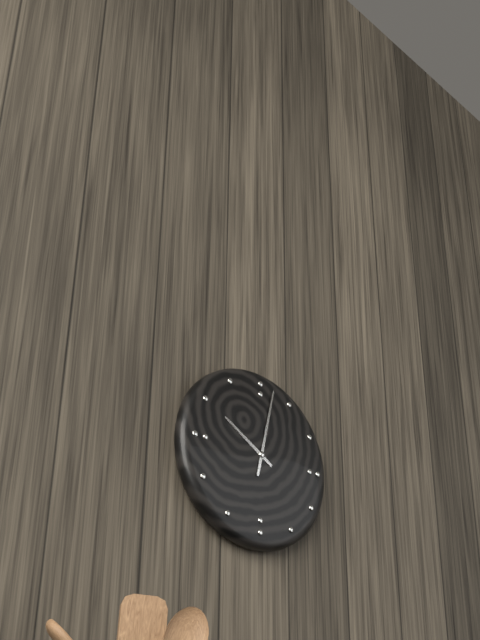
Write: 10,02
